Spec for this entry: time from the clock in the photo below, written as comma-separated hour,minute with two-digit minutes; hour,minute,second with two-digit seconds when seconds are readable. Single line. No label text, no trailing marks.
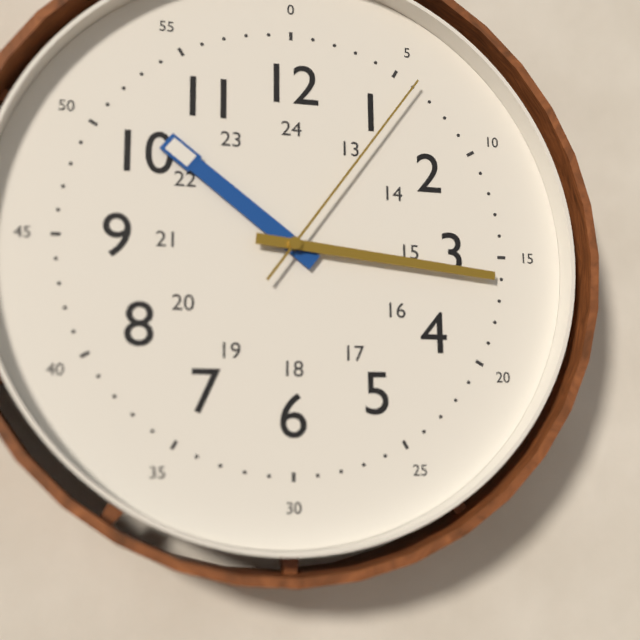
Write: 10,16,06
